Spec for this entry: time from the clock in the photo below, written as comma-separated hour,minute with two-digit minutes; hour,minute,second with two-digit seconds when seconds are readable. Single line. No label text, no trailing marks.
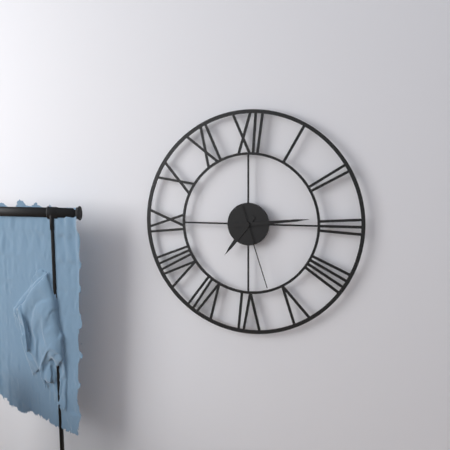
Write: 7,14,27
